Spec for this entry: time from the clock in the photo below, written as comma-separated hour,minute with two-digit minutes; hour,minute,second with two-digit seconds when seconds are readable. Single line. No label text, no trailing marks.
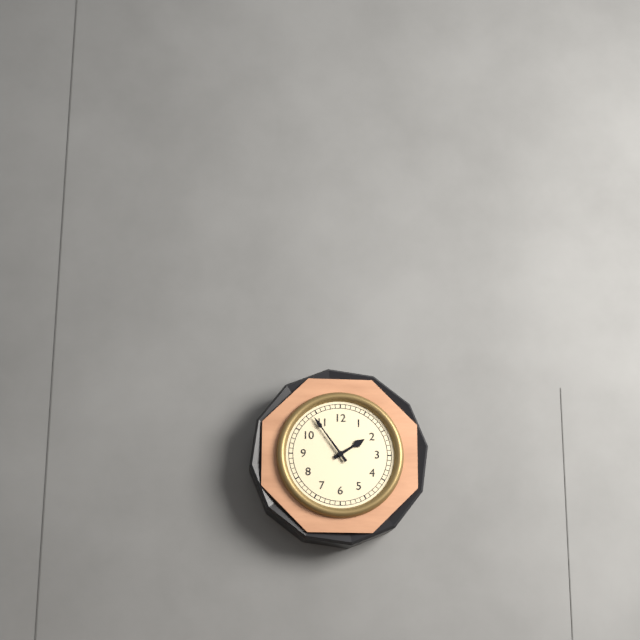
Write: 1,54
